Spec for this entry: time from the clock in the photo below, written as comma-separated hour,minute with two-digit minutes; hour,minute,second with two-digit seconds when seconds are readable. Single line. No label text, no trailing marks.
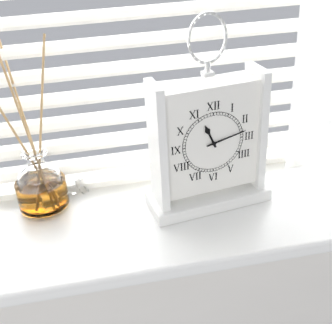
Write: 11,13
